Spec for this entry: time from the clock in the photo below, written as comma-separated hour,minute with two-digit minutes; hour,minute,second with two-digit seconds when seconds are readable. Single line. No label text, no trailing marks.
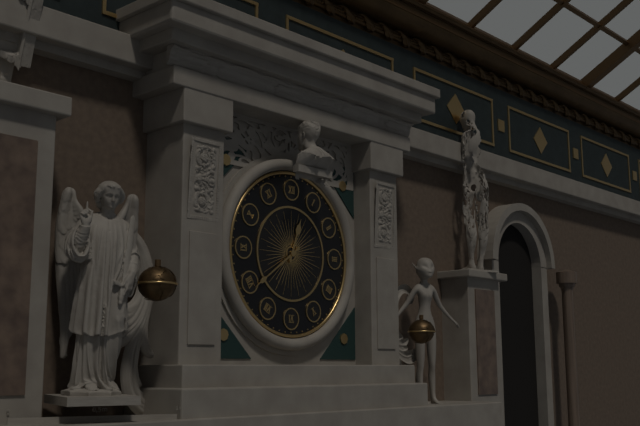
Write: 12,39
